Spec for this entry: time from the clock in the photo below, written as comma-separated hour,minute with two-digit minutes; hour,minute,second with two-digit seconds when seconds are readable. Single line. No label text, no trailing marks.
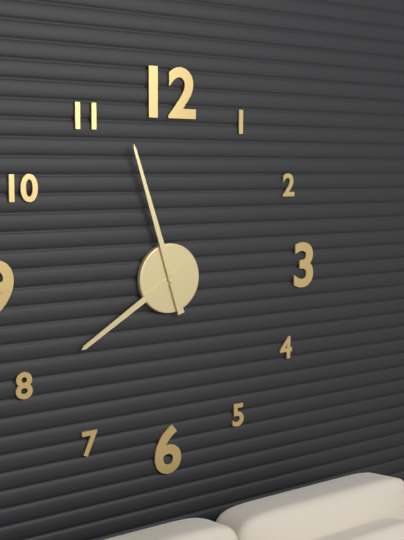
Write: 7,57
